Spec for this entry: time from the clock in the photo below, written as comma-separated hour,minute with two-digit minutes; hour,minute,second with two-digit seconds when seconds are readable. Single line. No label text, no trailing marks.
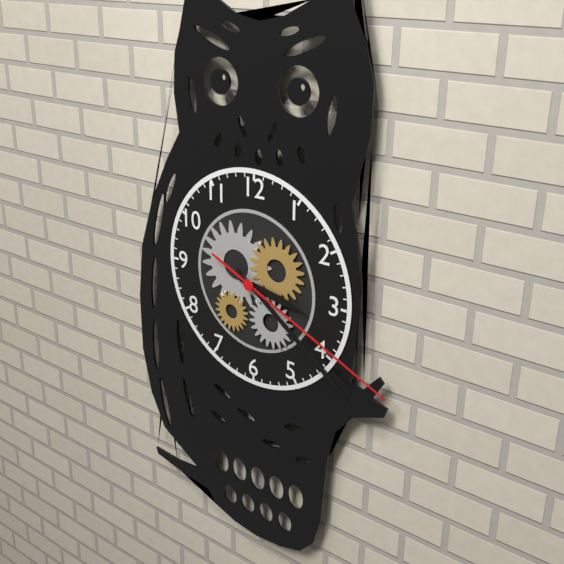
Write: 3,21,19
